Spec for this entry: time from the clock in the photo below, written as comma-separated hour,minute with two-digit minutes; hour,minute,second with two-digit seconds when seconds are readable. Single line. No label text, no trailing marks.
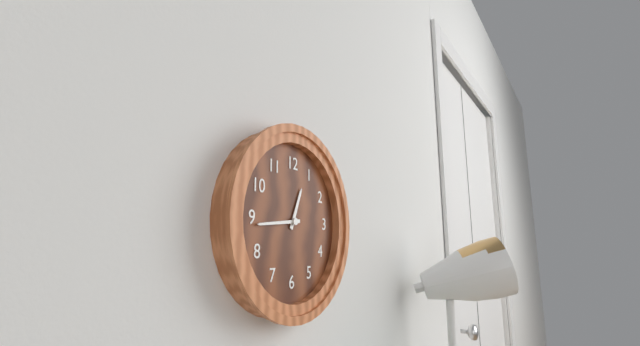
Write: 12,44
